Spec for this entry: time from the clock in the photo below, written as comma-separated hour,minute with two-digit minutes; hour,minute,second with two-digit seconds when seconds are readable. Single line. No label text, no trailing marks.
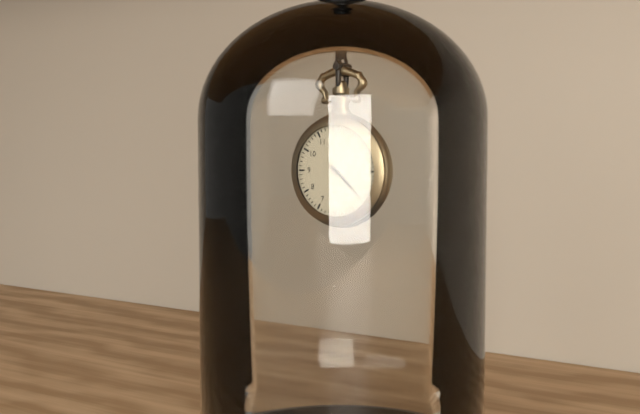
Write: 4,22
